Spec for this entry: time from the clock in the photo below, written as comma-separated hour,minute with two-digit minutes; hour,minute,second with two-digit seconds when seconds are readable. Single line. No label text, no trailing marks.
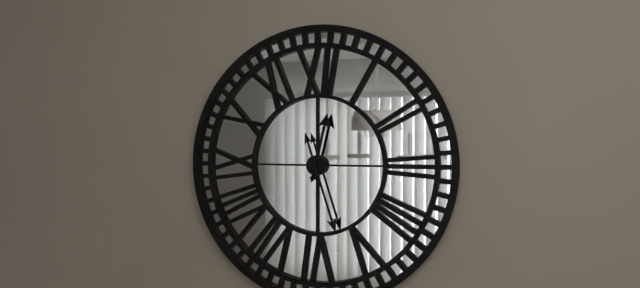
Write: 12,27
